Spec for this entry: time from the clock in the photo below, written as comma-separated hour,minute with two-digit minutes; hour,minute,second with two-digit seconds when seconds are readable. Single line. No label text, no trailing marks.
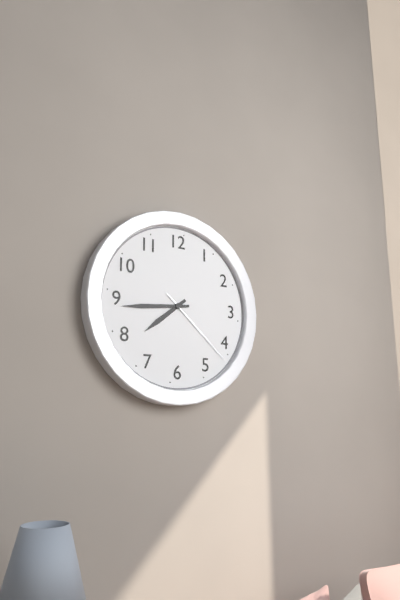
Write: 7,44,22
